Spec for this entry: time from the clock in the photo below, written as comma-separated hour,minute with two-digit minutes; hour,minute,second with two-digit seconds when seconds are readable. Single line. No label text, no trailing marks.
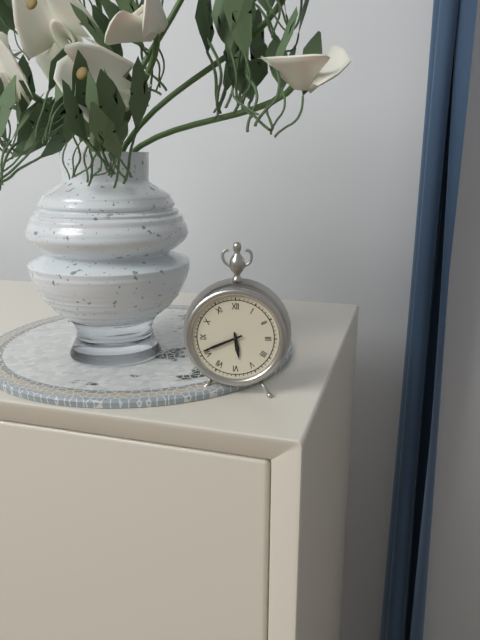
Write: 5,41
